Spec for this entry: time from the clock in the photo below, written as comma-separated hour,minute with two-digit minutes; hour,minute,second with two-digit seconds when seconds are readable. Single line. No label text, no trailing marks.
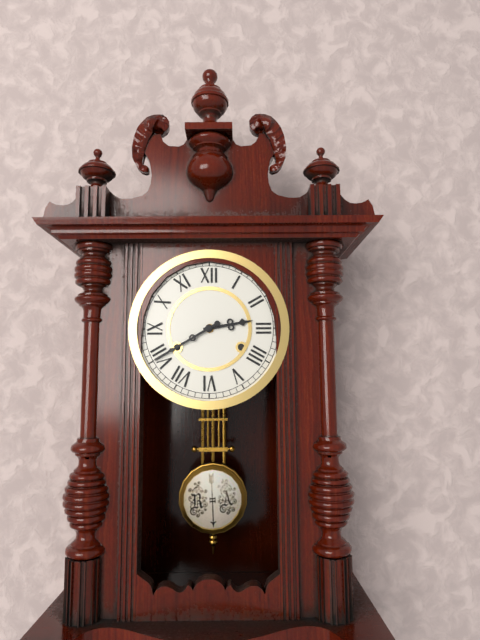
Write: 2,40
